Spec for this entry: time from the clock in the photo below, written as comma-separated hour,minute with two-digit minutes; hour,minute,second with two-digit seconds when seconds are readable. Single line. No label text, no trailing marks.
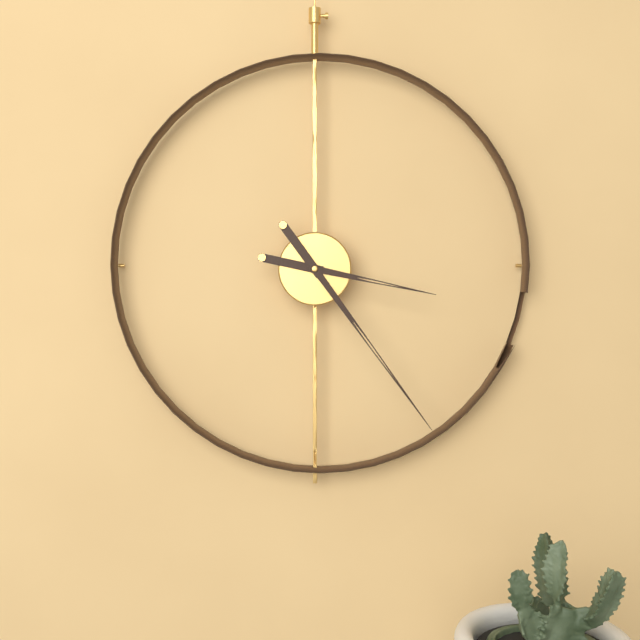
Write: 3,24
